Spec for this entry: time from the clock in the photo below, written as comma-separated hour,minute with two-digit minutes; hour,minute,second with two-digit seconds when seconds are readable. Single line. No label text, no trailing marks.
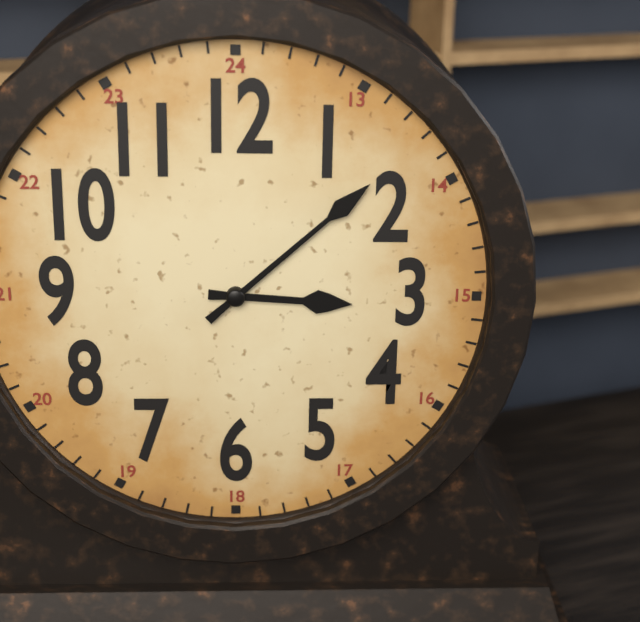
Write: 3,08
